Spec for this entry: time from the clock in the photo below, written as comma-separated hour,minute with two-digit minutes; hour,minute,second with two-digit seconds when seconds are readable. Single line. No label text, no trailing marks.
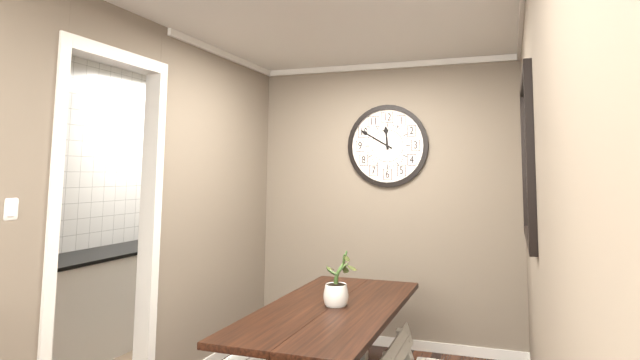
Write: 11,50
